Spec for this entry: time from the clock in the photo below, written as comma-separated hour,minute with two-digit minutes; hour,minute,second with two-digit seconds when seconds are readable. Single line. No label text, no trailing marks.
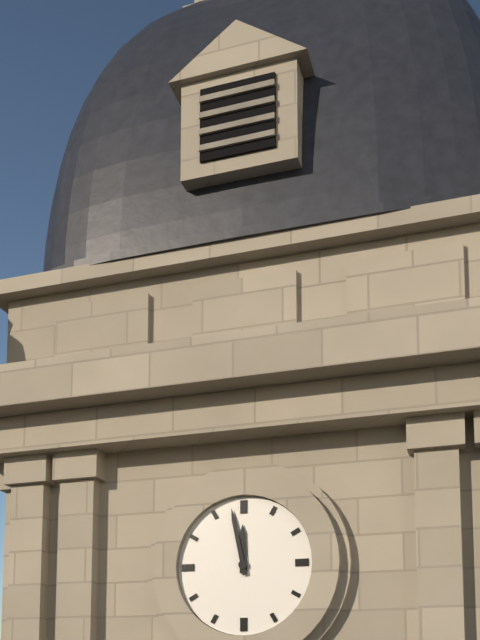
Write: 11,58
